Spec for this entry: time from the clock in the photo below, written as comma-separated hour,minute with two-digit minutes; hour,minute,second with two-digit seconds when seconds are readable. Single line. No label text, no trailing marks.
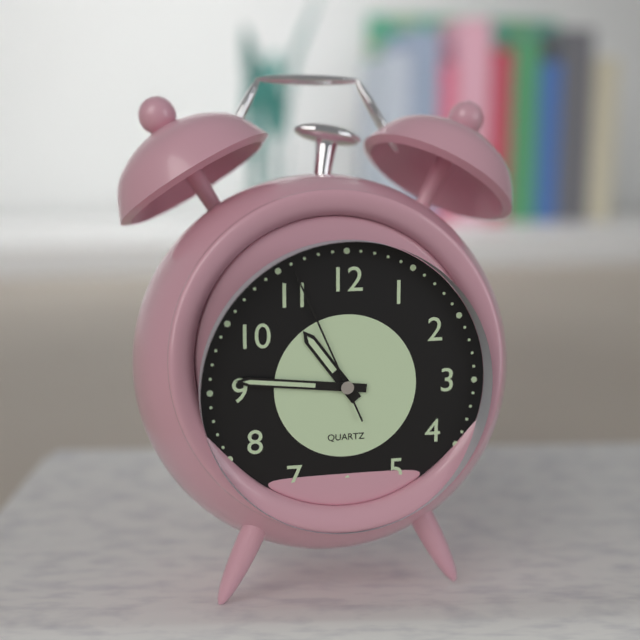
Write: 10,46,56
